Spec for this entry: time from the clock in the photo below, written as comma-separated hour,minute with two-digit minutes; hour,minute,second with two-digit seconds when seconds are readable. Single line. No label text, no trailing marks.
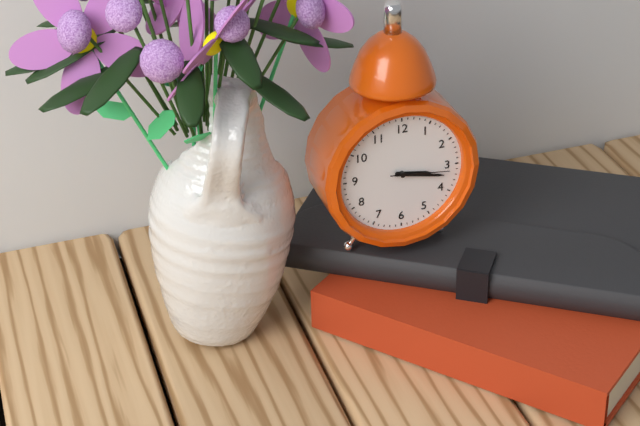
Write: 3,17,16
